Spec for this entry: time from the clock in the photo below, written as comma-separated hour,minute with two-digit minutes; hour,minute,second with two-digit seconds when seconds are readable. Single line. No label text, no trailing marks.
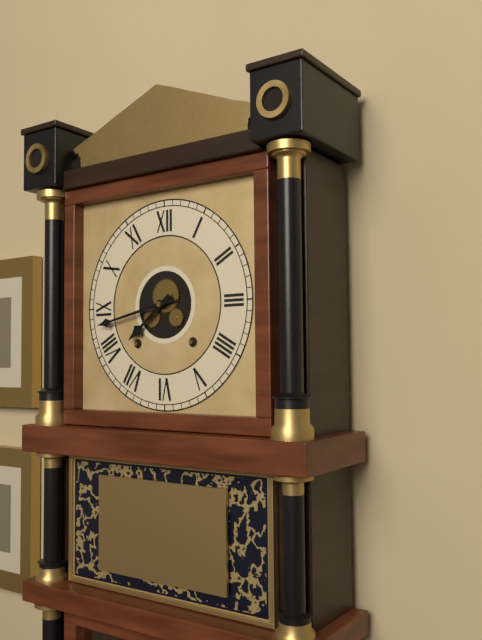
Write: 7,43
